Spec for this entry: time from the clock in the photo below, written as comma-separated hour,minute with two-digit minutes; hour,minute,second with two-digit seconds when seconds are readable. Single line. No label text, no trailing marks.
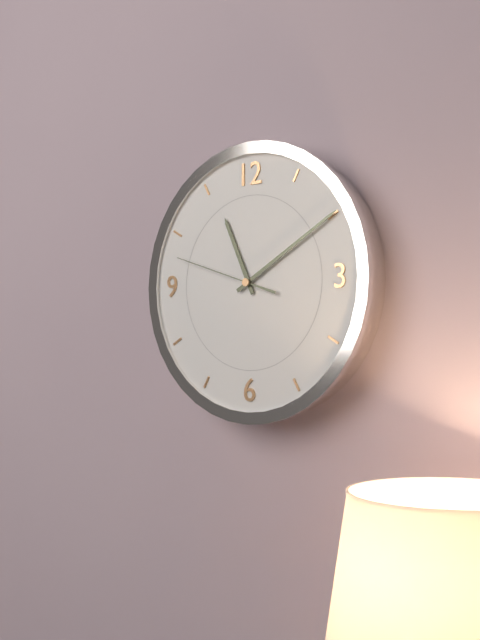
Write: 11,10,48
